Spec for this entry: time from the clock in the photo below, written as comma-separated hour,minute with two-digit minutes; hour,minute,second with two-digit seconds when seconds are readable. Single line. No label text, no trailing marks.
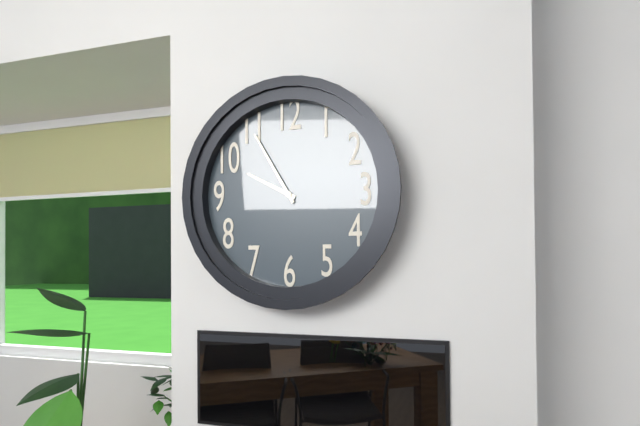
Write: 9,55
